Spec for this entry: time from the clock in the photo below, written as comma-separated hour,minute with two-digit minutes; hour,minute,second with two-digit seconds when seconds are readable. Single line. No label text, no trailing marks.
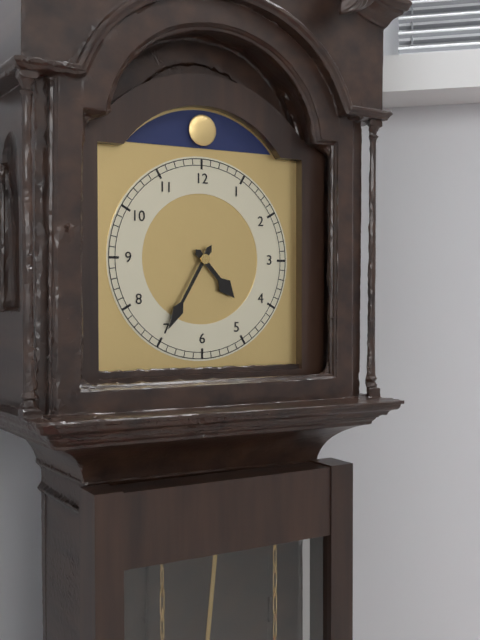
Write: 4,35
